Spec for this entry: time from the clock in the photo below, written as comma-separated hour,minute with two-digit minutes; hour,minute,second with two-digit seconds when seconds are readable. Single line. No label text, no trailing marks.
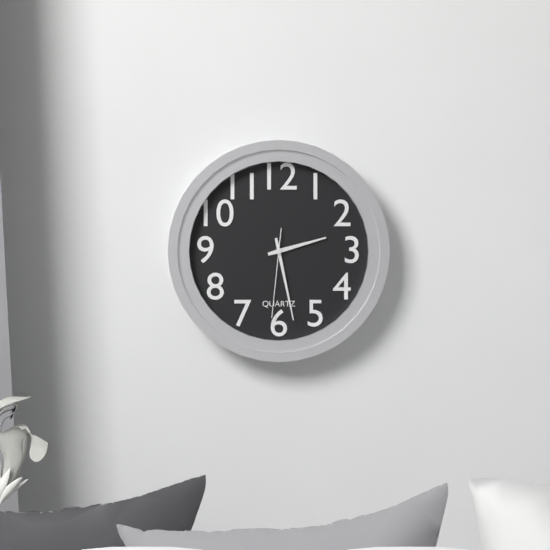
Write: 2,28,31
